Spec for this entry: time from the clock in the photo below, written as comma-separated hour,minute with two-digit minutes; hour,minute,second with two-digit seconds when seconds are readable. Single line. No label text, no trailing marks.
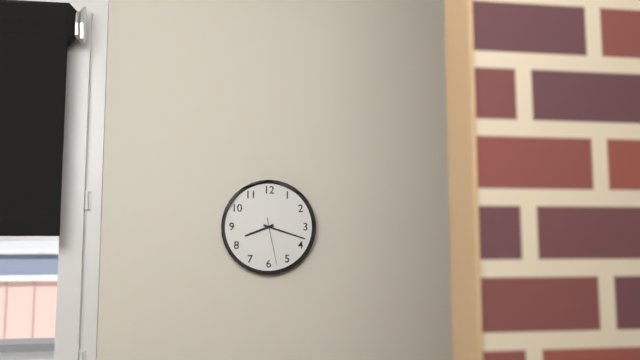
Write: 8,18
